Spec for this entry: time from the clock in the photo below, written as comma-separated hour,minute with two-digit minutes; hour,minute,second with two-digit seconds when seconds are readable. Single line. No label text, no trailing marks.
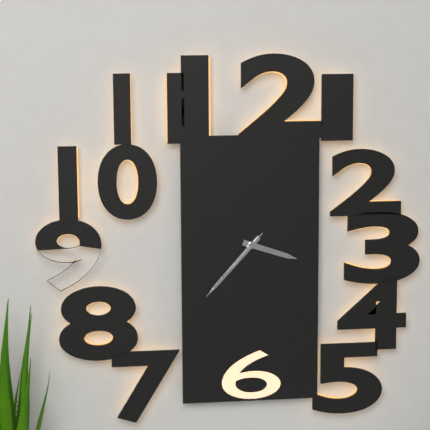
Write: 3,37,37
